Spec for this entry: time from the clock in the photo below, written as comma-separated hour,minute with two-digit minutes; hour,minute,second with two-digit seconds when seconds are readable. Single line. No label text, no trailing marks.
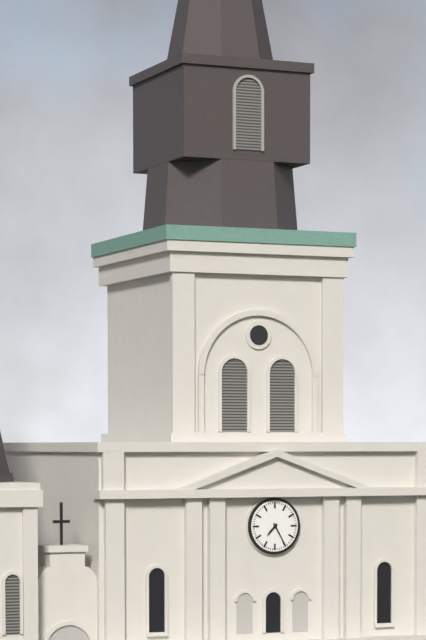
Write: 7,25
